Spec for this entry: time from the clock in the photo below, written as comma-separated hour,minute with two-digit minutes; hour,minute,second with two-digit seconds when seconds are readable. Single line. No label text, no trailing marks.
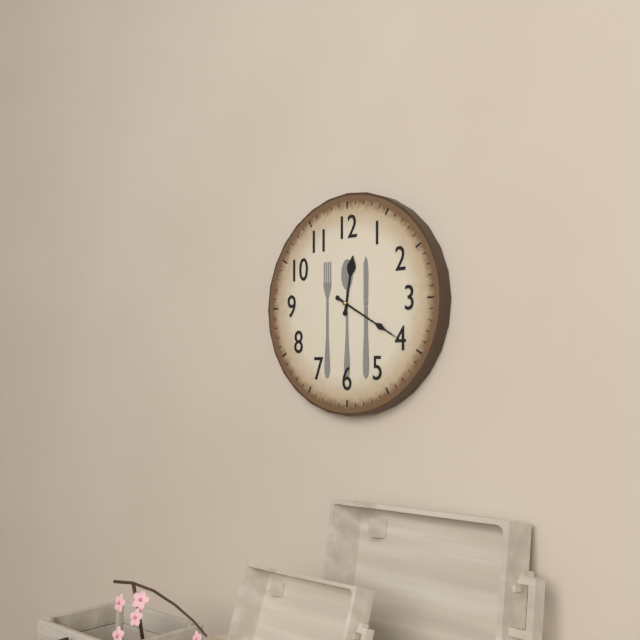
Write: 12,20
